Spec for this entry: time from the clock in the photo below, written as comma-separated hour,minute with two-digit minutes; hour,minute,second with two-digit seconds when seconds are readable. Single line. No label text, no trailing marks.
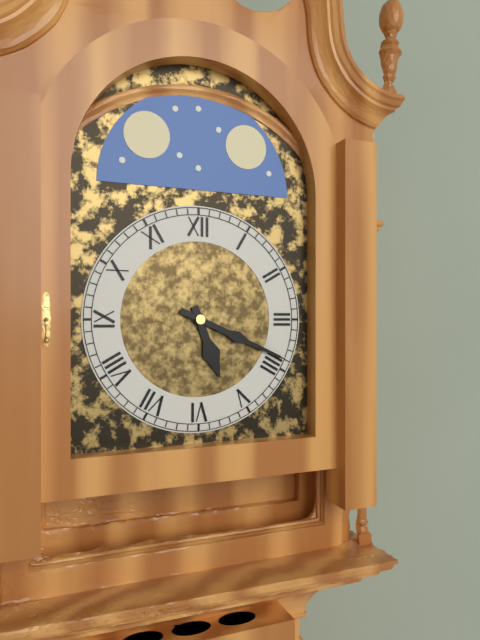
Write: 5,19
